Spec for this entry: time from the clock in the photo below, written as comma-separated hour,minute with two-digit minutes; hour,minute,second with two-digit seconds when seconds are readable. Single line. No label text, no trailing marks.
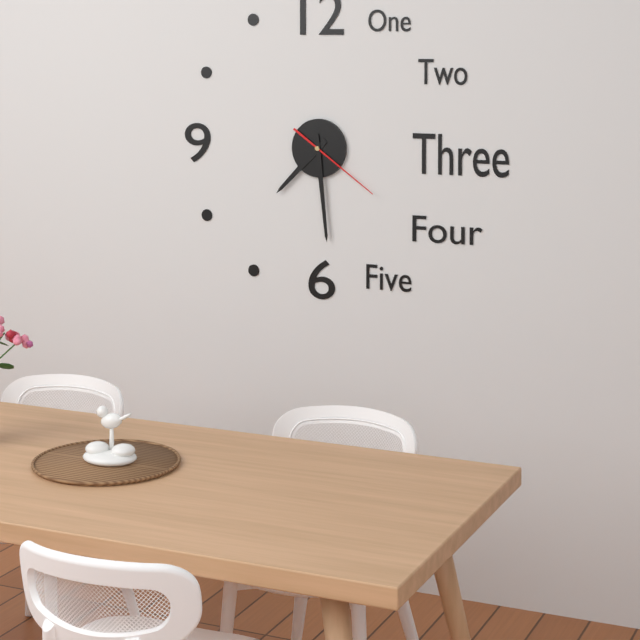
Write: 7,29,21
